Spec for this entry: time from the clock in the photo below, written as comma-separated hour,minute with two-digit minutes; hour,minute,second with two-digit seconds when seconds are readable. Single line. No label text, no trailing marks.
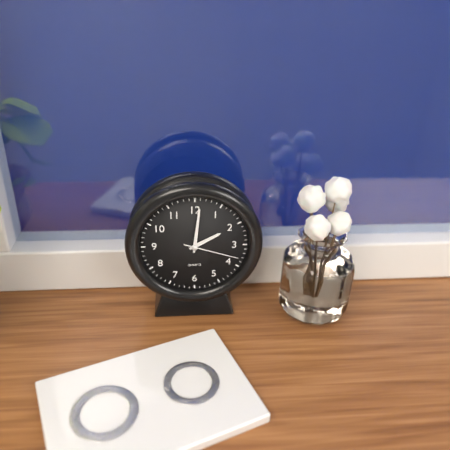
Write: 2,01,18
